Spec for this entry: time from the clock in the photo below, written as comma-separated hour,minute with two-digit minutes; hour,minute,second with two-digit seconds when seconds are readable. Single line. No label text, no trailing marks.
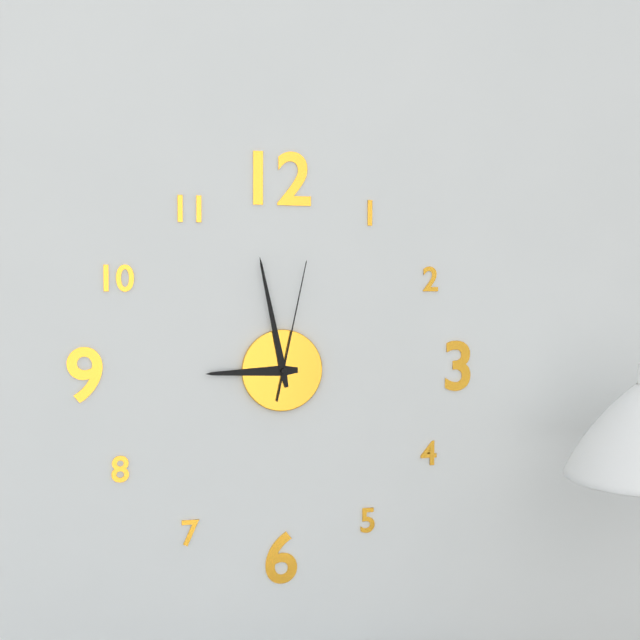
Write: 8,58,02
